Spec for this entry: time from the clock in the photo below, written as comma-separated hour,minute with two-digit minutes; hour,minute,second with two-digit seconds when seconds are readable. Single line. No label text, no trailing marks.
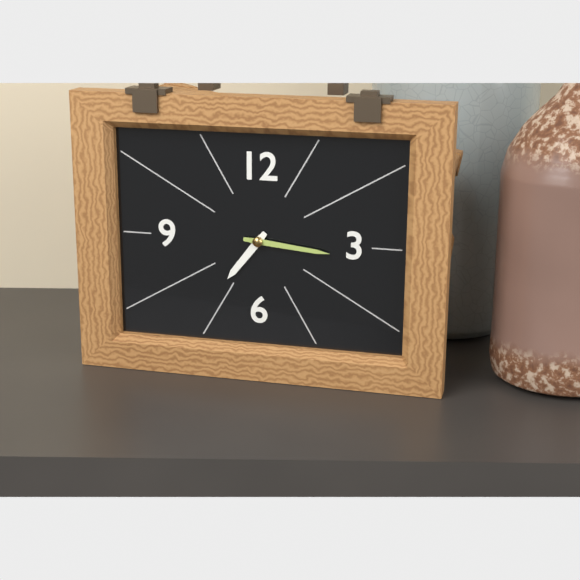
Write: 7,16
